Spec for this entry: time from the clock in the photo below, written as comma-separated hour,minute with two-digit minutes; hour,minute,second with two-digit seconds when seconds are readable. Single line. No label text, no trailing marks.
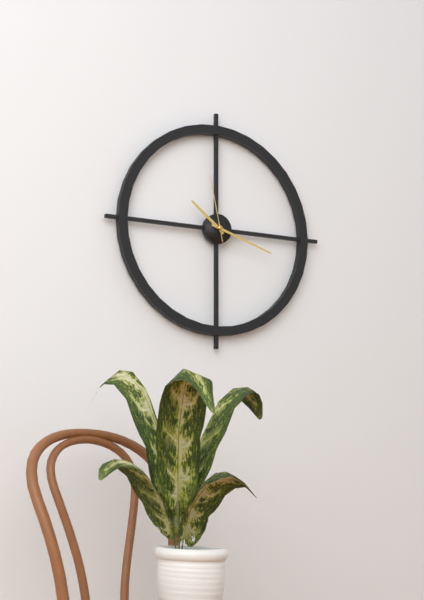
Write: 10,18,58
